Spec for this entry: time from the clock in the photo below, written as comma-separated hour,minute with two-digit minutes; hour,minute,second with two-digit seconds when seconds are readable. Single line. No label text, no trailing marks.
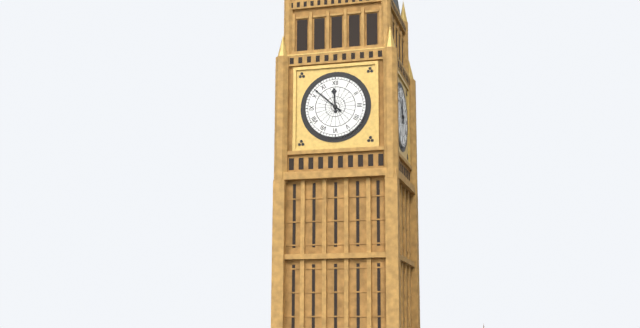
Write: 11,52
